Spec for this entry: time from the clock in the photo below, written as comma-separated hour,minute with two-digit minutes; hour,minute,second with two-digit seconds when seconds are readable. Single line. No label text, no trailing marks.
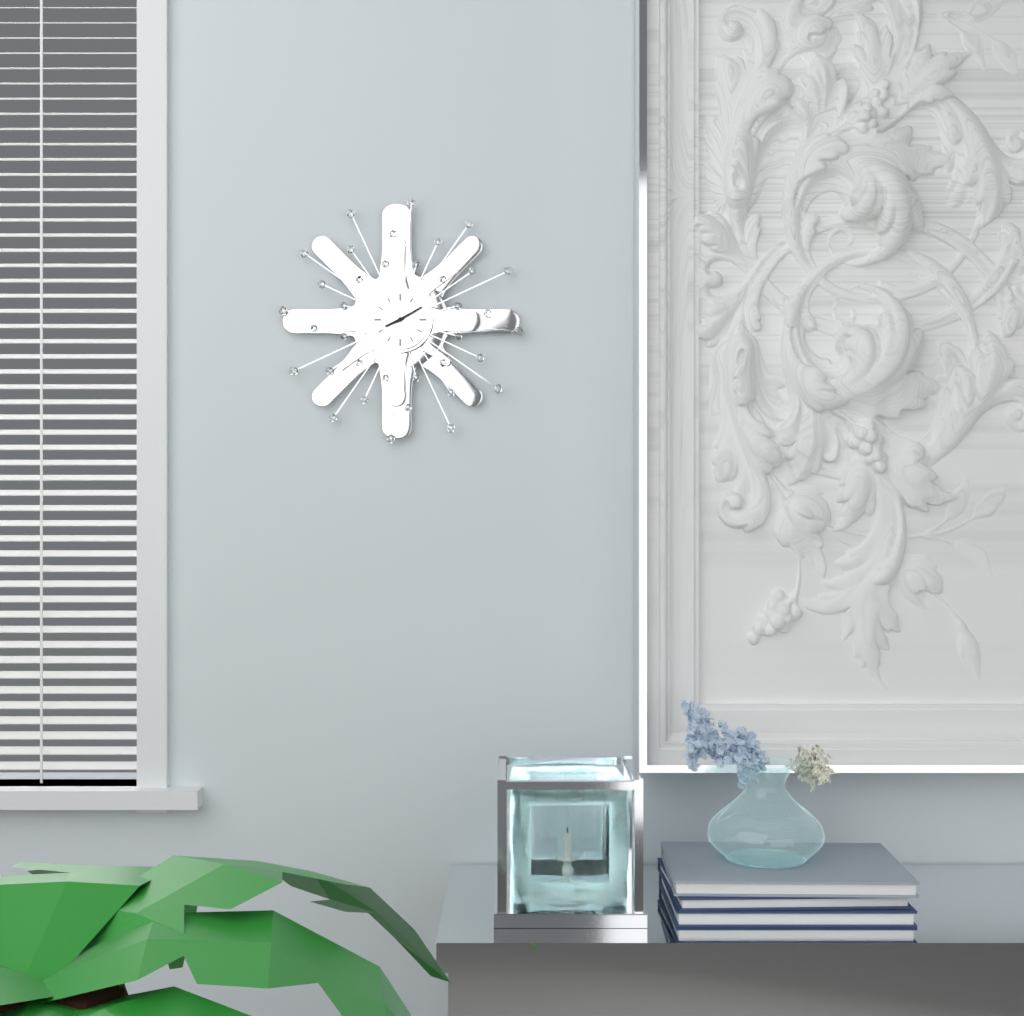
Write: 8,10
